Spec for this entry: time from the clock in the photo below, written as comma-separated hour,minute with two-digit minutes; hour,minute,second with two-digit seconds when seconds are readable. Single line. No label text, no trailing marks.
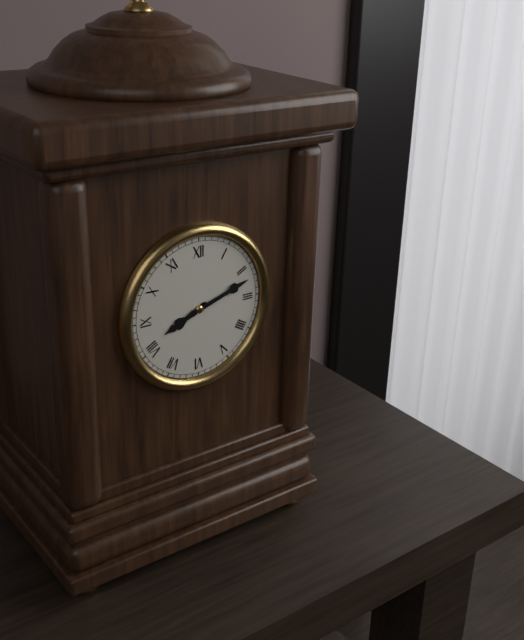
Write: 8,12
